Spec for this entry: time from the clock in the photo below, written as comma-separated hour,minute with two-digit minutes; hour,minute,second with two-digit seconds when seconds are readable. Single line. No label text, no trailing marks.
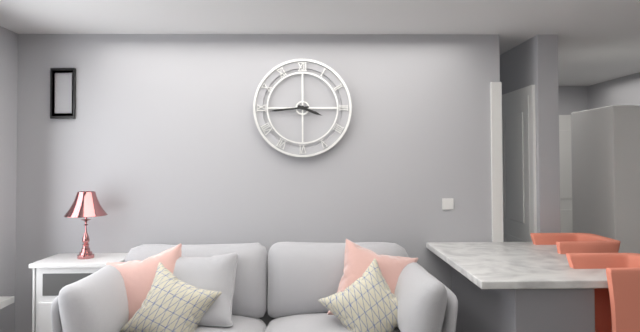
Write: 3,44
